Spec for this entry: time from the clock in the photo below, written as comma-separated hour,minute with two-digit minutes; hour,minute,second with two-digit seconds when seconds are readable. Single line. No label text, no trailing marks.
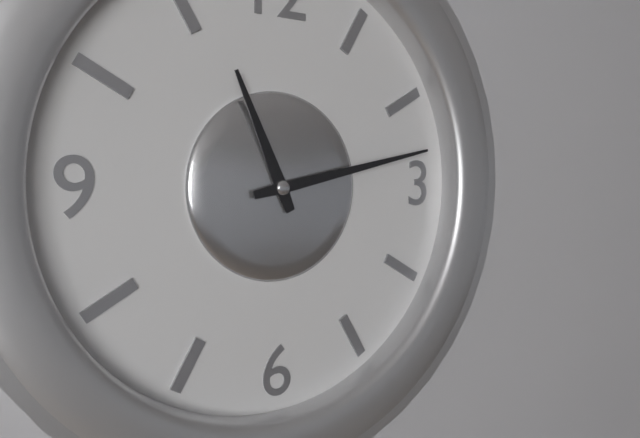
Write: 11,13
